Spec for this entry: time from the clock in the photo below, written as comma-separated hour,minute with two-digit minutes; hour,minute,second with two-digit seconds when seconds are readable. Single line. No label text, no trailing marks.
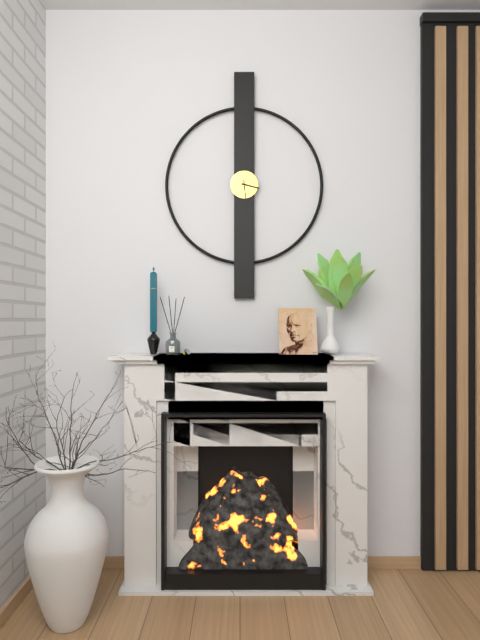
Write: 3,29
